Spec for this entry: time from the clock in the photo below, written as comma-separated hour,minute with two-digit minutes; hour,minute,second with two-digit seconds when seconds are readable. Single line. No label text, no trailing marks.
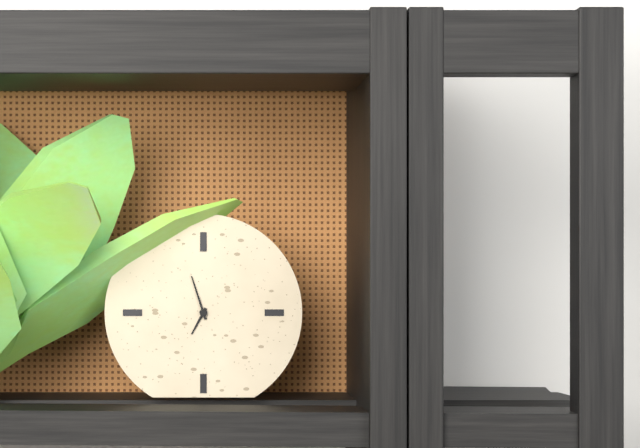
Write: 6,57
